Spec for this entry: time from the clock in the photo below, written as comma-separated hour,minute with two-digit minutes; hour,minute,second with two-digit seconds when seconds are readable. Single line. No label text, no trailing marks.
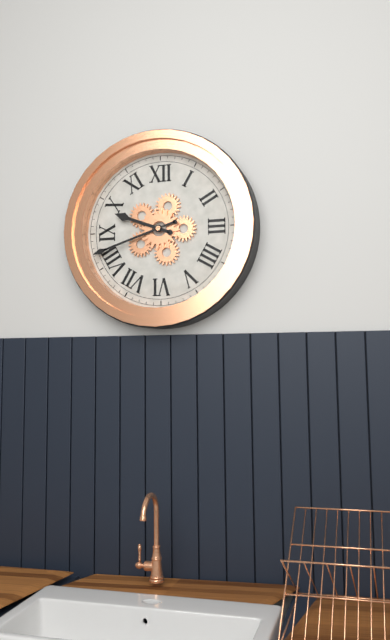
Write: 9,42
